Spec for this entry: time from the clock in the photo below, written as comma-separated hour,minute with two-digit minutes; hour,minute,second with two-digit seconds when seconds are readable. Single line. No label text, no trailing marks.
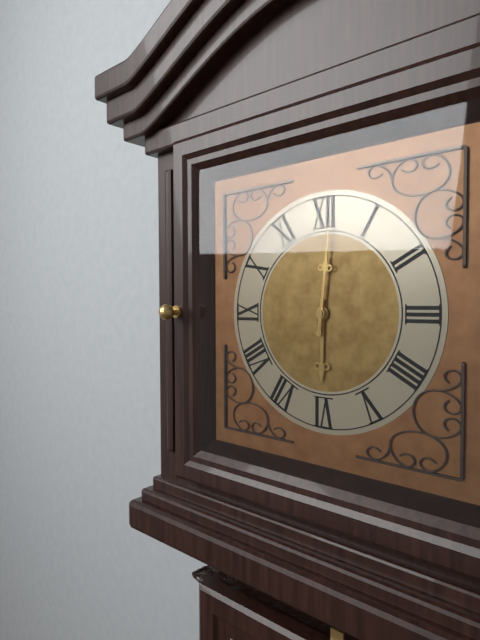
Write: 6,01
